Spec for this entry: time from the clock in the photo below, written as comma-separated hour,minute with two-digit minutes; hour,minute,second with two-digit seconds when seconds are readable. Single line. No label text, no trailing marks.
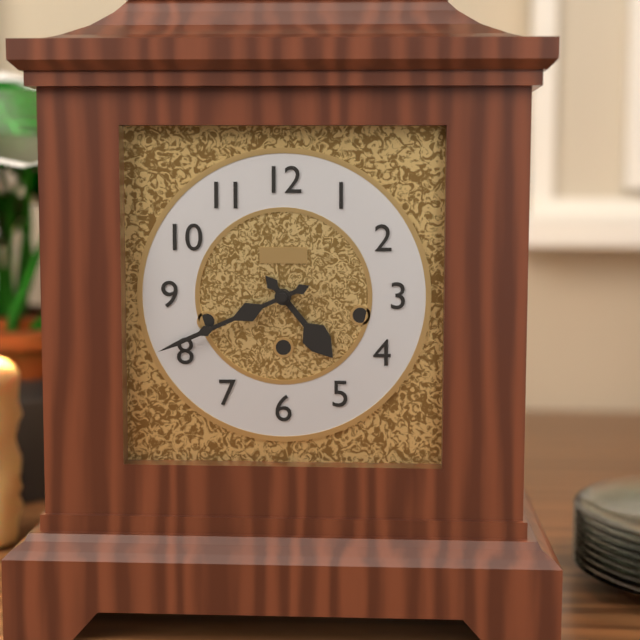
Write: 4,41
